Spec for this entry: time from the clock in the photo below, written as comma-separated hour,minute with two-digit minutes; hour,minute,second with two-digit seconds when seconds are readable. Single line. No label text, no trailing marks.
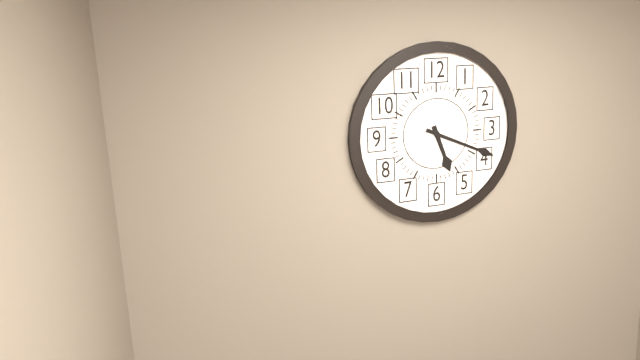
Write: 5,19
